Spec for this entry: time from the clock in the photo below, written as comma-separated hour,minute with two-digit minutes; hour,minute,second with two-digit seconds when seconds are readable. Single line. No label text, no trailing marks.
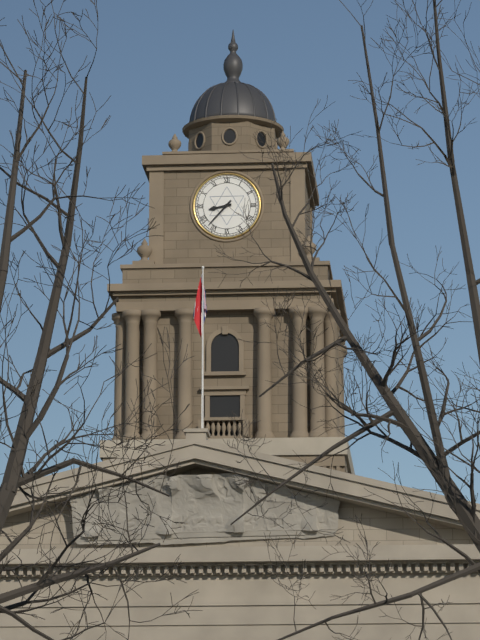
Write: 8,37
